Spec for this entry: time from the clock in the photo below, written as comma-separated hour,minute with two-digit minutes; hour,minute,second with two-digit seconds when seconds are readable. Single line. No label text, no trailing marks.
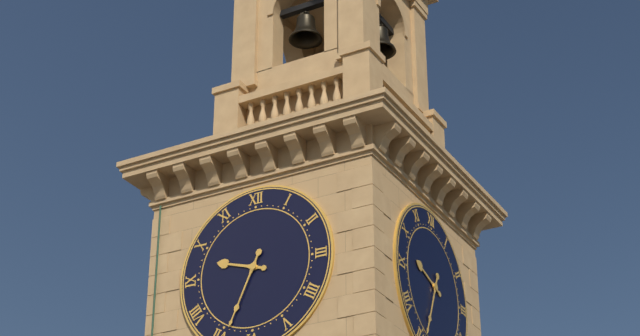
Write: 9,34
